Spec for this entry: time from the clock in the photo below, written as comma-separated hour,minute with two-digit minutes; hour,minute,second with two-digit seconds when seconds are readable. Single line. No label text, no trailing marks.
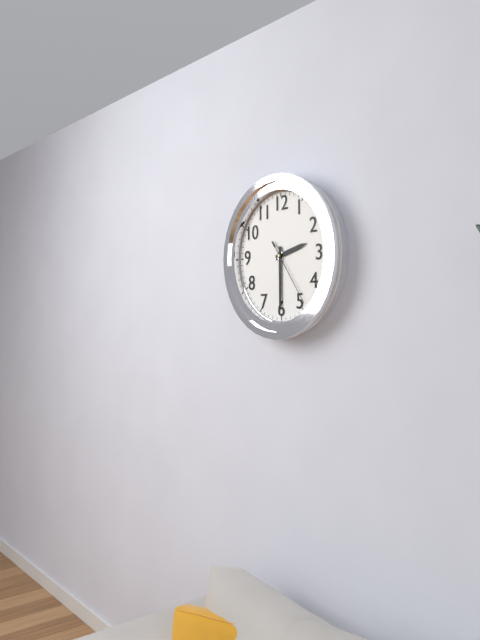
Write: 2,30,24
